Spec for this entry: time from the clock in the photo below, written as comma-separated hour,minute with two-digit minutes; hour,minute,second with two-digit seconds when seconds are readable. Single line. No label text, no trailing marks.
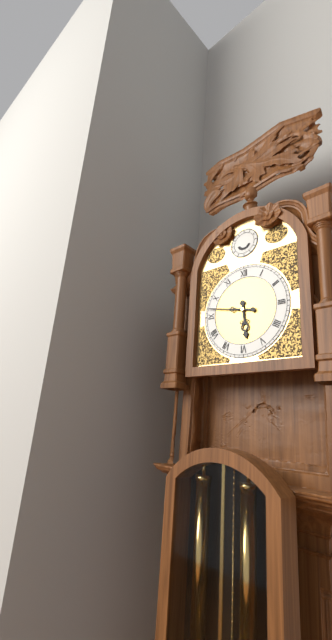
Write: 5,47
